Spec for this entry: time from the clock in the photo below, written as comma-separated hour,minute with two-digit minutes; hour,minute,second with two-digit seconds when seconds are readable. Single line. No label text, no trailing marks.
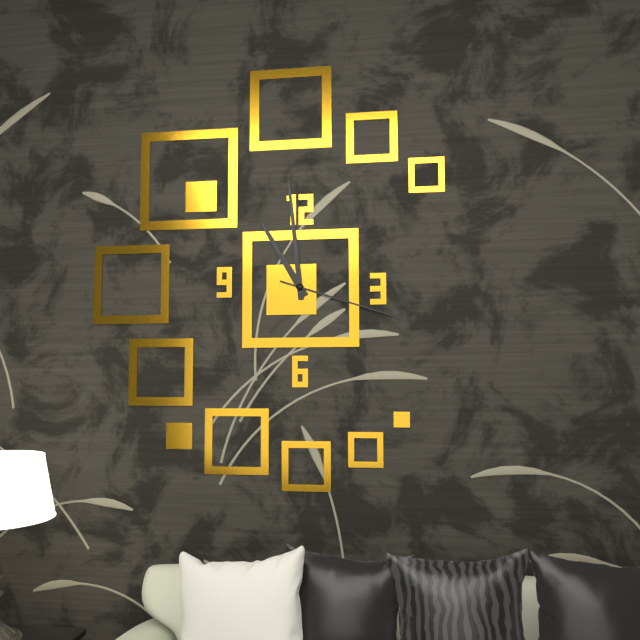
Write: 10,59,18
